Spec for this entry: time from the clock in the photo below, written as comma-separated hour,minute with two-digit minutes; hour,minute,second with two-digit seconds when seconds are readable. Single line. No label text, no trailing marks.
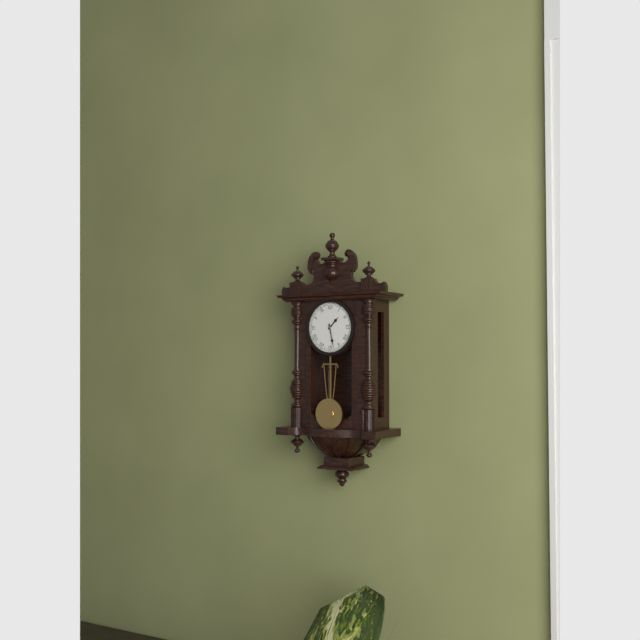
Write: 1,28
